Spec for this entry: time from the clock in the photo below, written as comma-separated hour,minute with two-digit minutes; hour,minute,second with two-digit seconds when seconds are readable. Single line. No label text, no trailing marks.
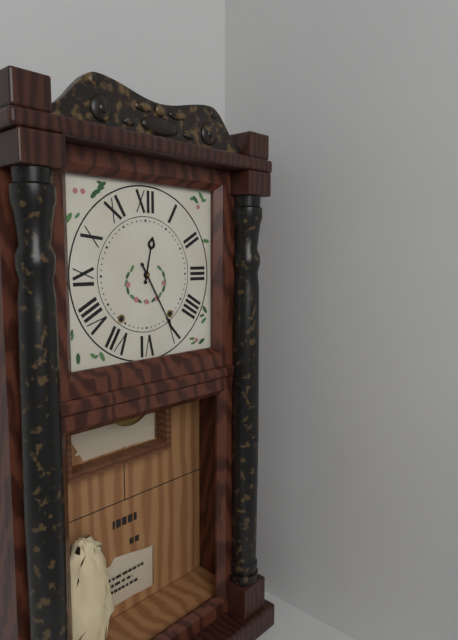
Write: 12,25
